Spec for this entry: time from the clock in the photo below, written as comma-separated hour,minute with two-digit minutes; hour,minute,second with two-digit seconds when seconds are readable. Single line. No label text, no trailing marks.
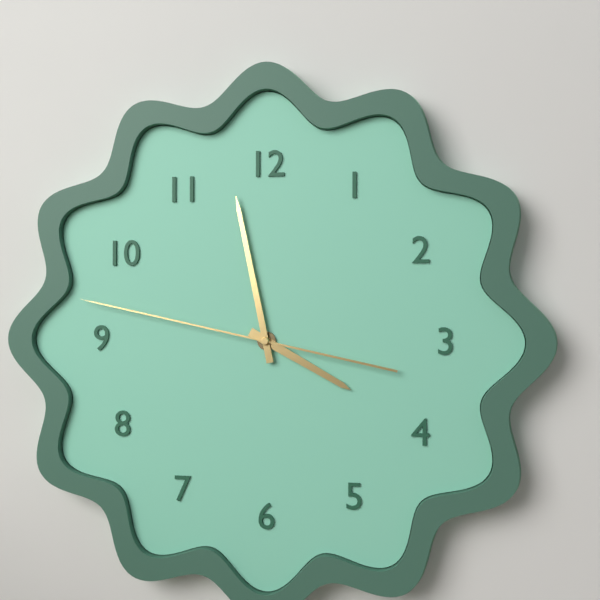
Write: 3,58,47
